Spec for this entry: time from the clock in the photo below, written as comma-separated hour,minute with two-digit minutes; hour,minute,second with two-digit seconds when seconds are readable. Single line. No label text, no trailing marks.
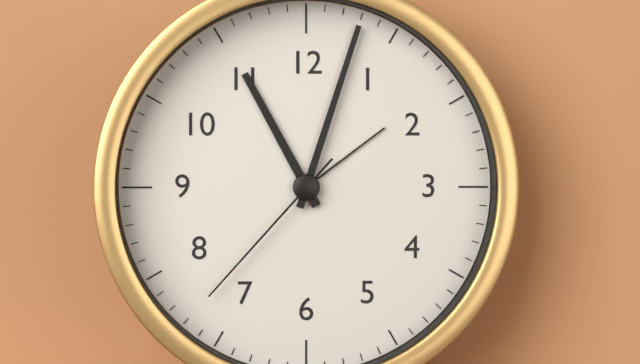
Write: 11,03,37
